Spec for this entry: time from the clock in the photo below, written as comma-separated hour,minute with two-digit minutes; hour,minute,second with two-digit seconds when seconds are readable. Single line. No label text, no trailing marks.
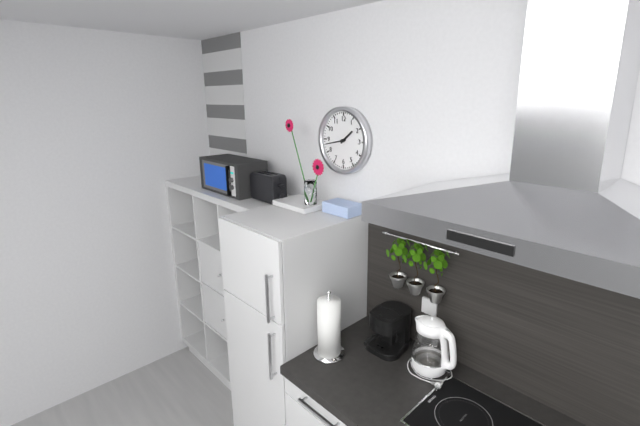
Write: 1,43
